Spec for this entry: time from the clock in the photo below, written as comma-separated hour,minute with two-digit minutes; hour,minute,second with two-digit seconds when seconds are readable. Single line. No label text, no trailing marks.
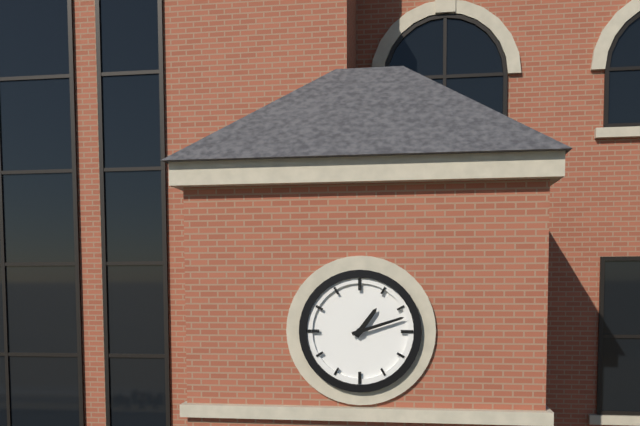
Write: 1,12
